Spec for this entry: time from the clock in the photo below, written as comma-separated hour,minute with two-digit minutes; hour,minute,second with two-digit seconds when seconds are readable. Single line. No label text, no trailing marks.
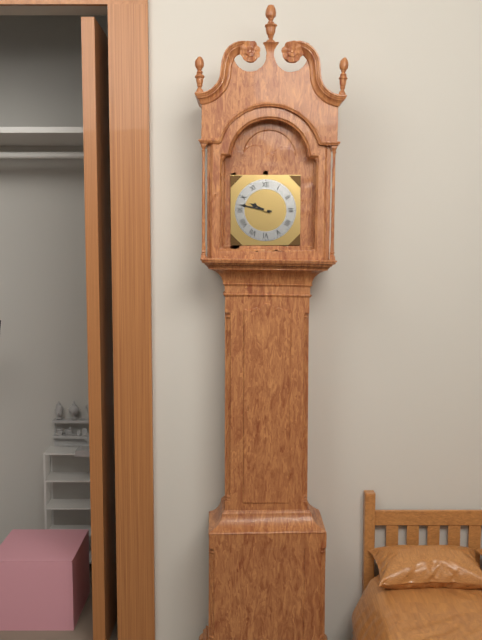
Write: 9,47
